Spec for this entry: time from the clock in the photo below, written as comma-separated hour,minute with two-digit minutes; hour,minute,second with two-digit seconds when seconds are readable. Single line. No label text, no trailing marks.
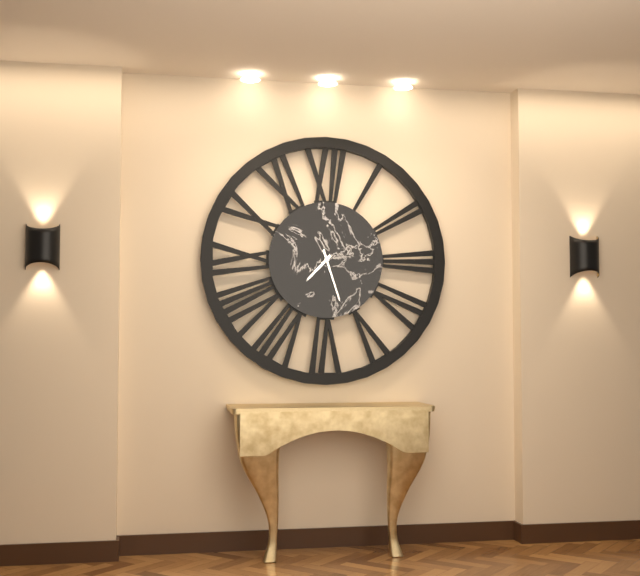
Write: 7,27
